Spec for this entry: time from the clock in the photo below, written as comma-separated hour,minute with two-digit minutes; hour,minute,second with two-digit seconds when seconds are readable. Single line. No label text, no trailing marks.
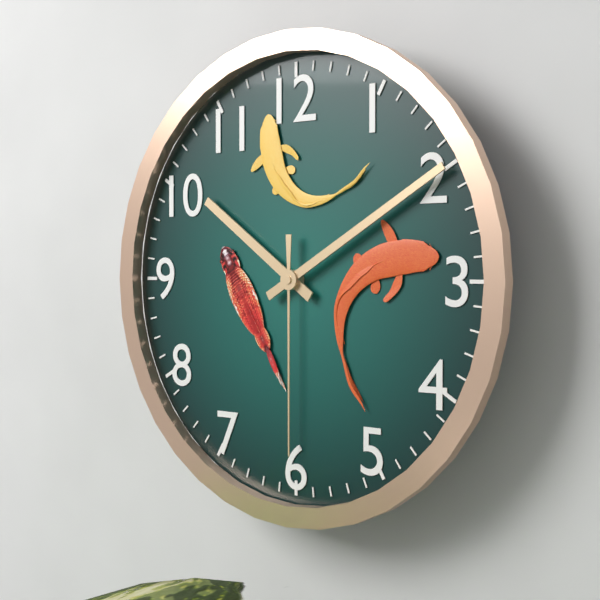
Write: 10,10,30
